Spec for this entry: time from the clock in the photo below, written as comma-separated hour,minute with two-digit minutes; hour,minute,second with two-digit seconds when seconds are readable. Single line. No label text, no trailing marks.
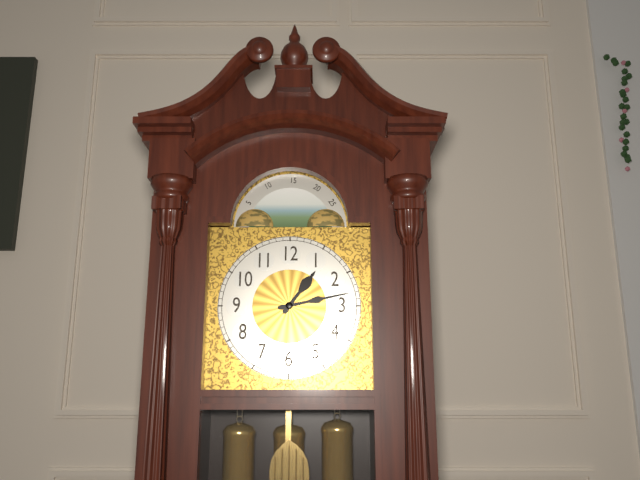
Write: 1,13
